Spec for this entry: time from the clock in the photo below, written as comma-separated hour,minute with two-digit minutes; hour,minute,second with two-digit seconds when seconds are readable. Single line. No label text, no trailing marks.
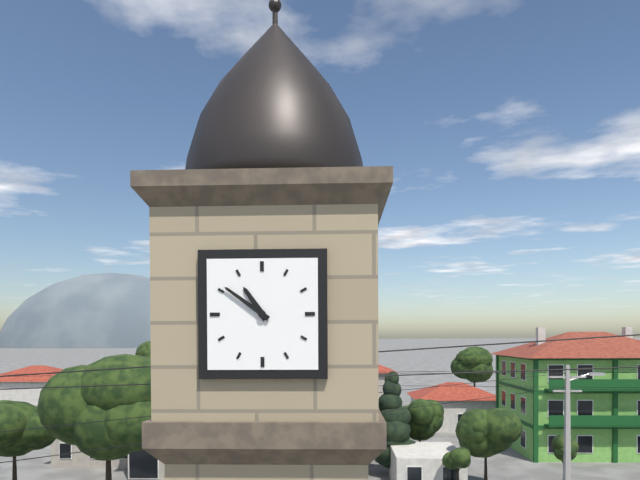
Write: 10,51
